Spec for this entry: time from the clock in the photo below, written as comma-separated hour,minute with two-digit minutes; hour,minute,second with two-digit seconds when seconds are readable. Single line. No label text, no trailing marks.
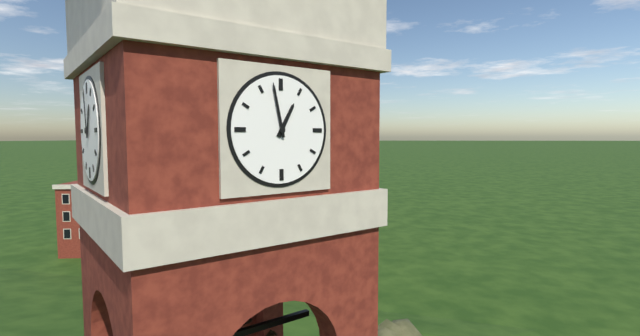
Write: 12,58
